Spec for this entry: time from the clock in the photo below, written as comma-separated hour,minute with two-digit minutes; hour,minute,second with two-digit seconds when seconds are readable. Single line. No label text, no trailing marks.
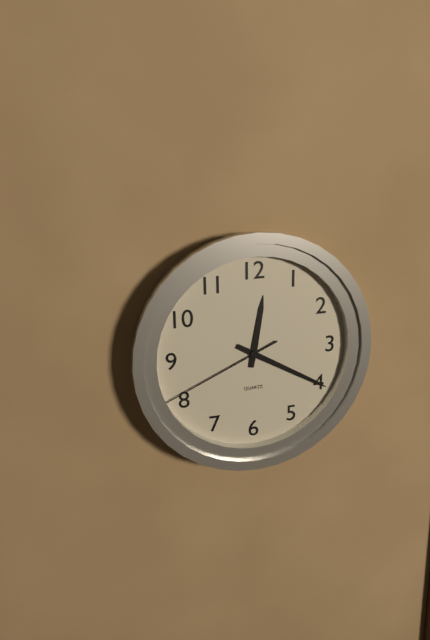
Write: 12,20,41
